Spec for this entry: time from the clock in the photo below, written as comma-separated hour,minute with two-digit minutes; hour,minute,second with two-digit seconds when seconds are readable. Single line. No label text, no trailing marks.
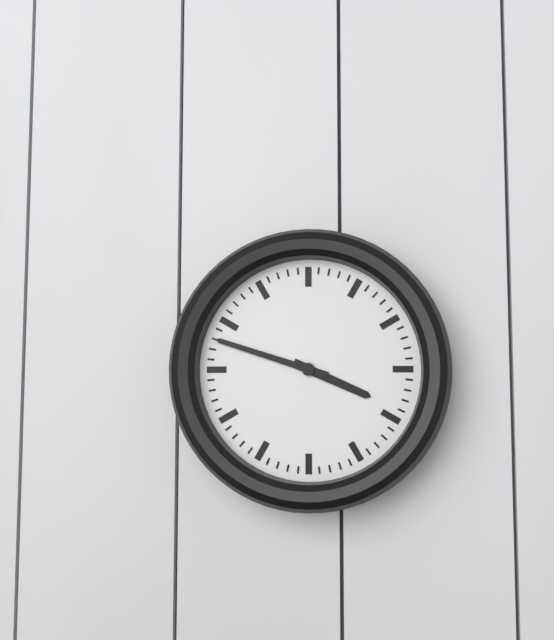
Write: 3,48
